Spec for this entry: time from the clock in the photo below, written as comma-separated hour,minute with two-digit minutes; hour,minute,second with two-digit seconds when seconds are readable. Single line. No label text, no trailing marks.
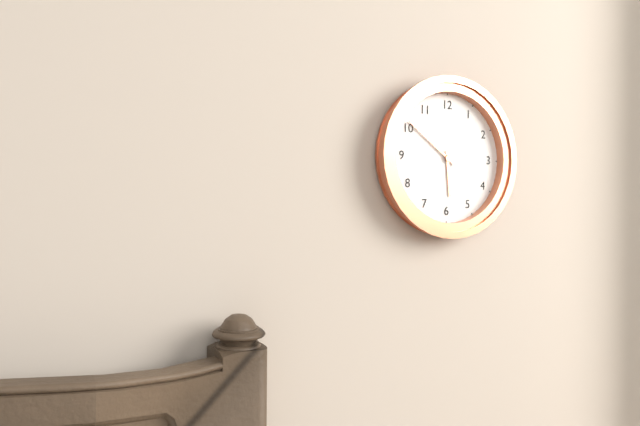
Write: 5,51
